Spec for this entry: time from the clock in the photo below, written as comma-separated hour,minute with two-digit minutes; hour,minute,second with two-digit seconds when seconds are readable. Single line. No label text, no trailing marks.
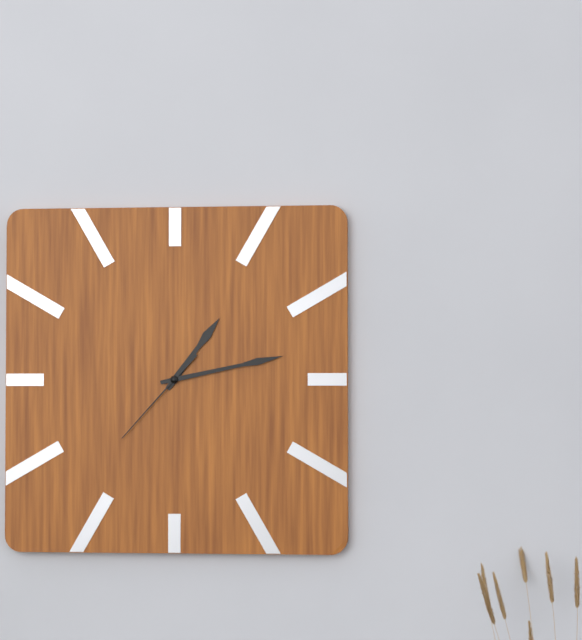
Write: 1,13,37
